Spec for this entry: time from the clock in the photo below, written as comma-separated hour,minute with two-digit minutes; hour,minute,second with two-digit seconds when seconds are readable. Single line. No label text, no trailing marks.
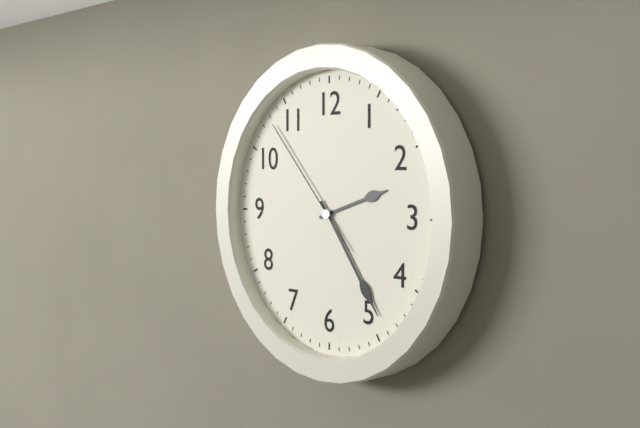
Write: 2,24,53
